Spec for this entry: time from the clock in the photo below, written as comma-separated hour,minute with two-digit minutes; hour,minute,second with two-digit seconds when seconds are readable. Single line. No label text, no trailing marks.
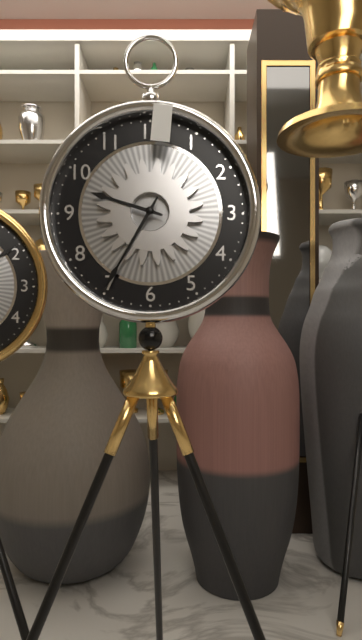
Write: 9,35
